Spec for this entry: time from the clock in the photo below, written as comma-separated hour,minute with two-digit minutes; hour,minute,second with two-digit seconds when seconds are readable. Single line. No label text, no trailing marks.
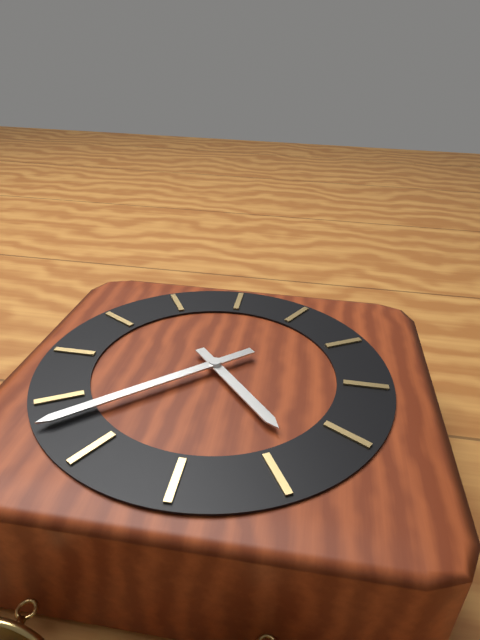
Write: 4,38
